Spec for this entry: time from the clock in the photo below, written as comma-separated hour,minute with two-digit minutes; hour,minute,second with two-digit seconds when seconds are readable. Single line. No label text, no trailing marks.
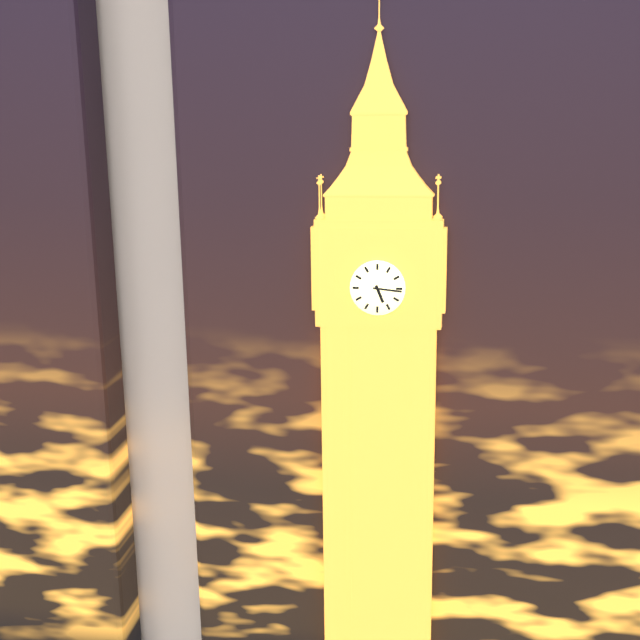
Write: 5,16
